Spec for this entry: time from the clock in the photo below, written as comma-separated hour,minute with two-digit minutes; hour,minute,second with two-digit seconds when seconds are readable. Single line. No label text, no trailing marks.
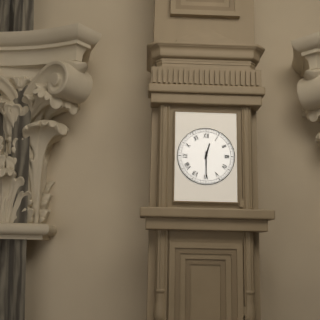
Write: 12,30
